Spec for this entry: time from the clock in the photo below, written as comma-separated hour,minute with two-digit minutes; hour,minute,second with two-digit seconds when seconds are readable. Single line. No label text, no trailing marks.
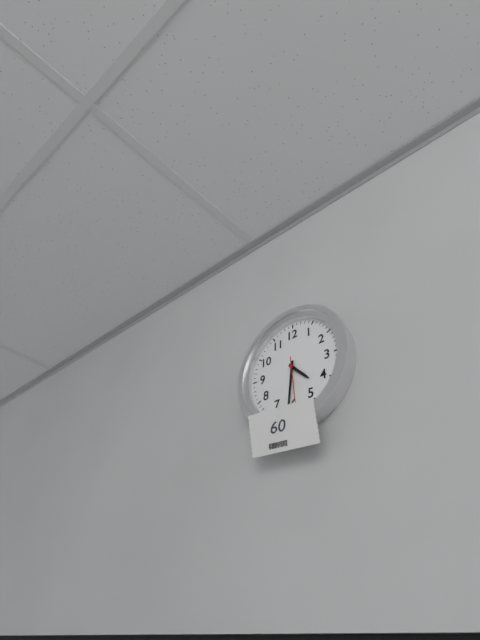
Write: 4,31,29
